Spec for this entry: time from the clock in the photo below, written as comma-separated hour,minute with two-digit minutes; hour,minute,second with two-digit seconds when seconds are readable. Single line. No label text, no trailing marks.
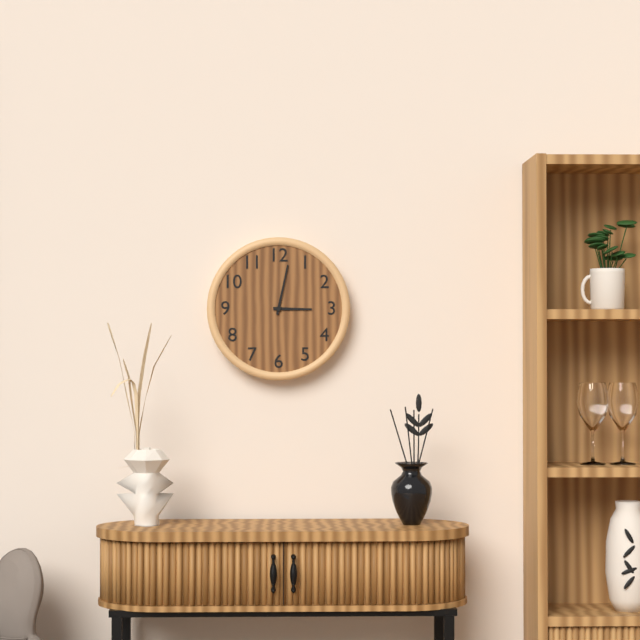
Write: 3,02
